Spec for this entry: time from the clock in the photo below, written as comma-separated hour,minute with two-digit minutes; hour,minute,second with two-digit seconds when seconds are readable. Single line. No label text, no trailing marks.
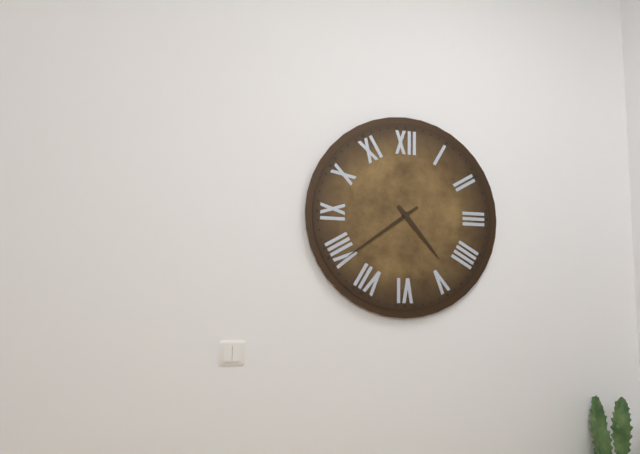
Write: 4,39
